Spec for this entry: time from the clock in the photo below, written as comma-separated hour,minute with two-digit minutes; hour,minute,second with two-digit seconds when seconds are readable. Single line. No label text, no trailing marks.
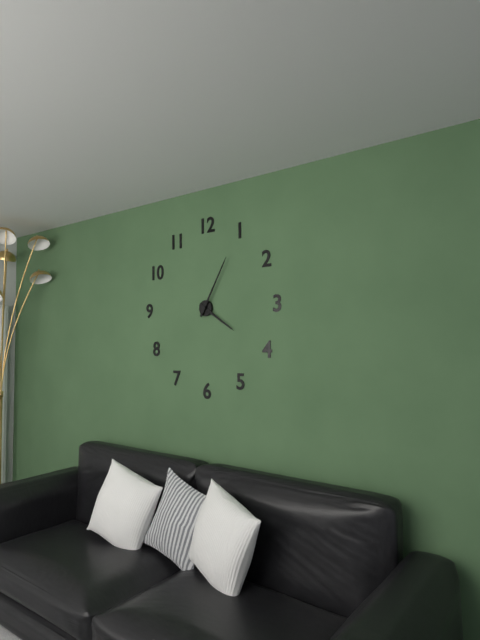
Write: 4,05
